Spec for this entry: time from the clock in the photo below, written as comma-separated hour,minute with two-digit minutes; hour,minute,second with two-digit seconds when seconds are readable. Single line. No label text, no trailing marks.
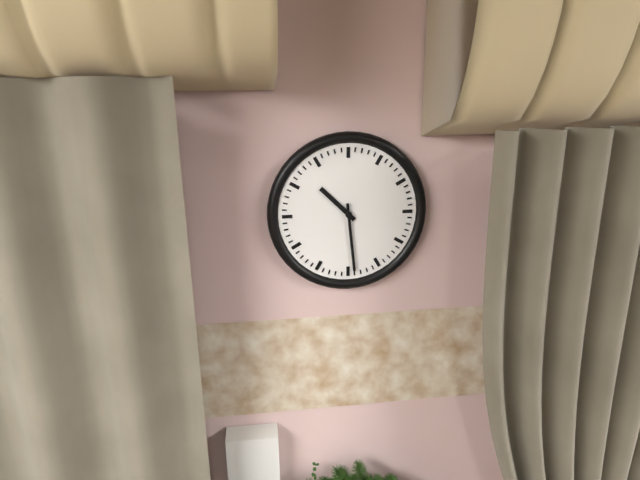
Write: 10,29
